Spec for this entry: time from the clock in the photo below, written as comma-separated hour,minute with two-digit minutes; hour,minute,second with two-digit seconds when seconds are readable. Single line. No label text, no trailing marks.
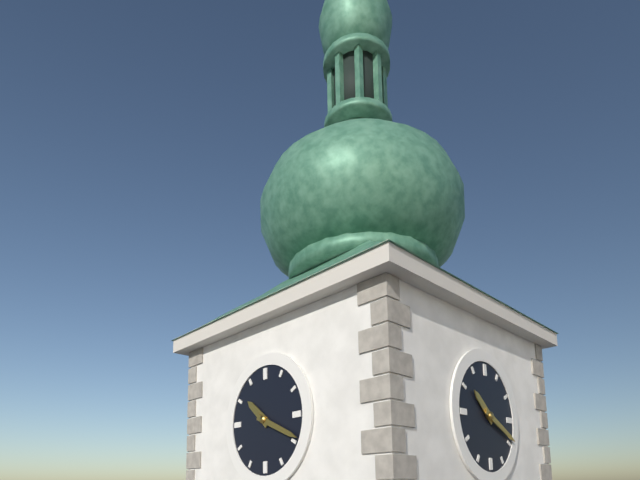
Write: 10,19
